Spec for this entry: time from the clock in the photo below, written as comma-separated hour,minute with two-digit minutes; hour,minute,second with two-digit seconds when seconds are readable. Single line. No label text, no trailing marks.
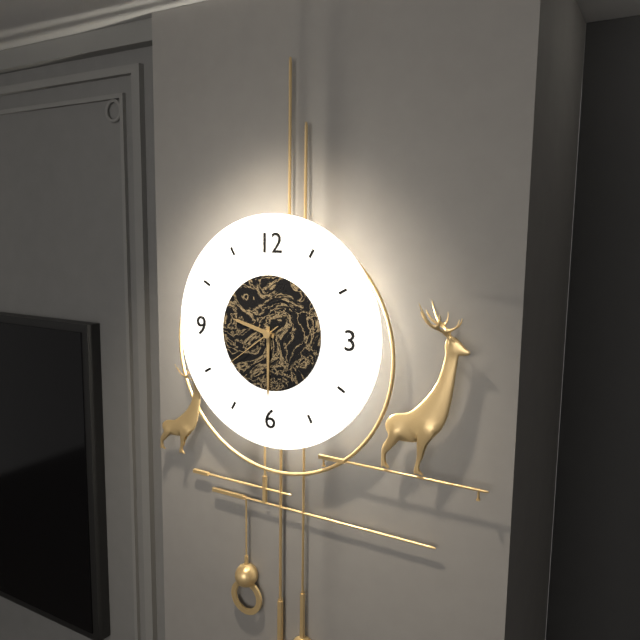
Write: 9,30,39
